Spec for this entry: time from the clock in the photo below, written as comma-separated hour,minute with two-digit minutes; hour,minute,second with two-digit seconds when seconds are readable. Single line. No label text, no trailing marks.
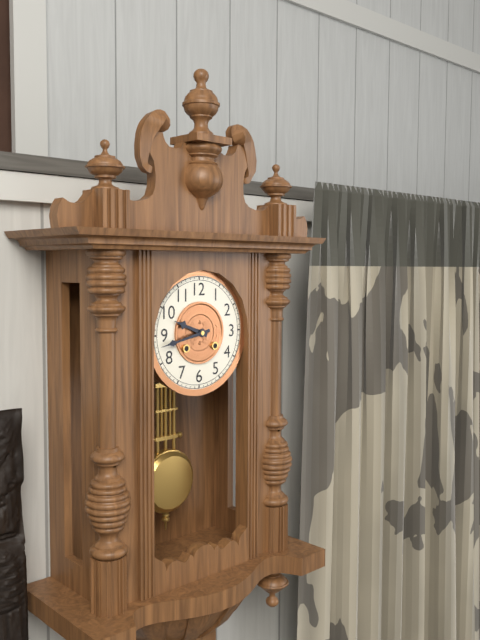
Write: 9,43
